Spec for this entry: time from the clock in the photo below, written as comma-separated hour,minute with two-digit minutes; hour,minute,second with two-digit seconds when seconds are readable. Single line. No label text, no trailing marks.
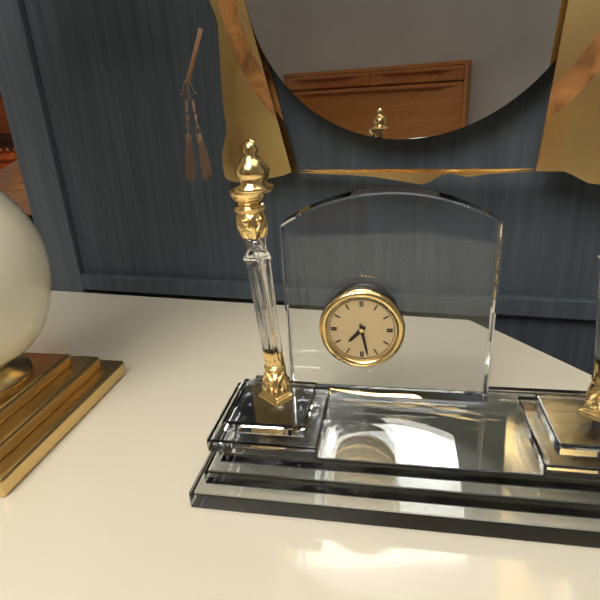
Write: 7,28
